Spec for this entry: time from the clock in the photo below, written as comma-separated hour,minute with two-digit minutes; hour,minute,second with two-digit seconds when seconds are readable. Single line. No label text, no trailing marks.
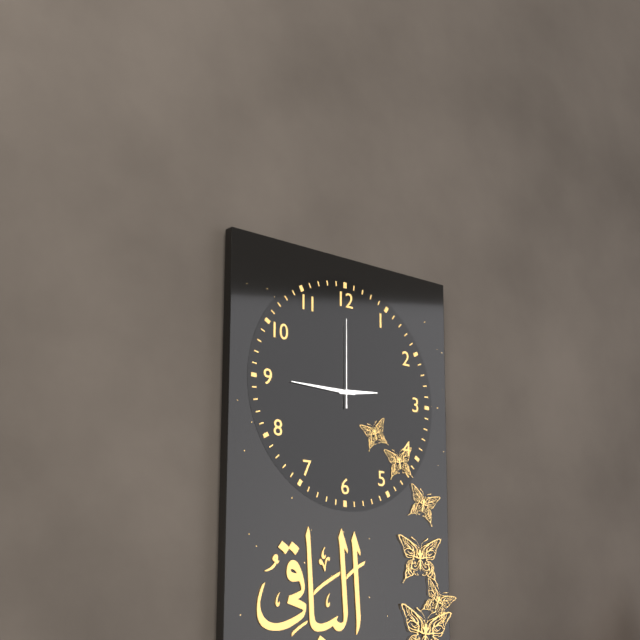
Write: 2,45,00
